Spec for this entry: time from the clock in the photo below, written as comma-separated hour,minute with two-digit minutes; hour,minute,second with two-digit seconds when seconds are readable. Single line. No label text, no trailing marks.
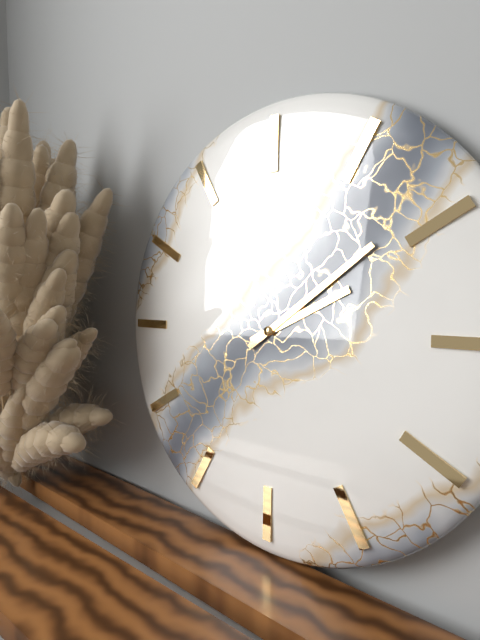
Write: 2,09
